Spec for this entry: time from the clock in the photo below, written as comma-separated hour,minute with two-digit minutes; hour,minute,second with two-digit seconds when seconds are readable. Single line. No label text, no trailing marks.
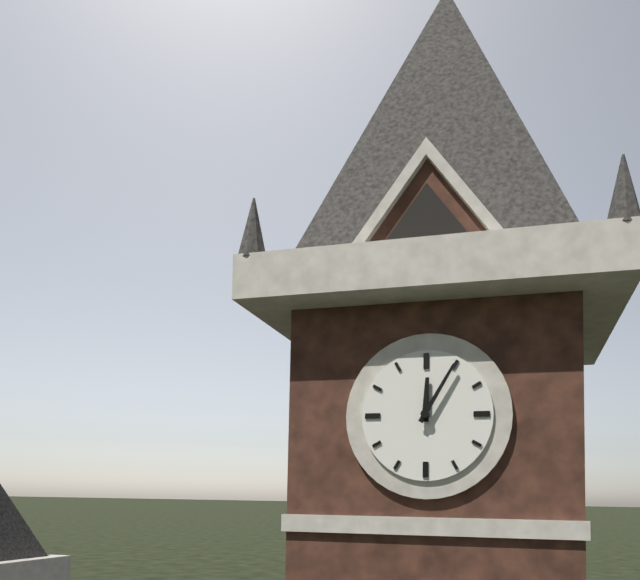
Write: 12,05
